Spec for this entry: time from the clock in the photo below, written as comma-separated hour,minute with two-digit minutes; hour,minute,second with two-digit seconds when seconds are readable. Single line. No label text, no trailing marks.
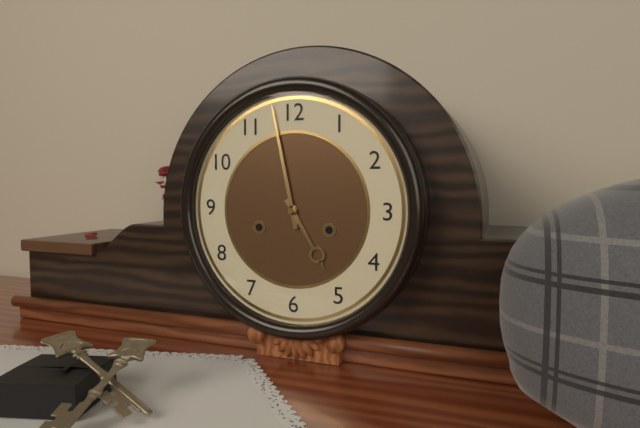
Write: 4,58
